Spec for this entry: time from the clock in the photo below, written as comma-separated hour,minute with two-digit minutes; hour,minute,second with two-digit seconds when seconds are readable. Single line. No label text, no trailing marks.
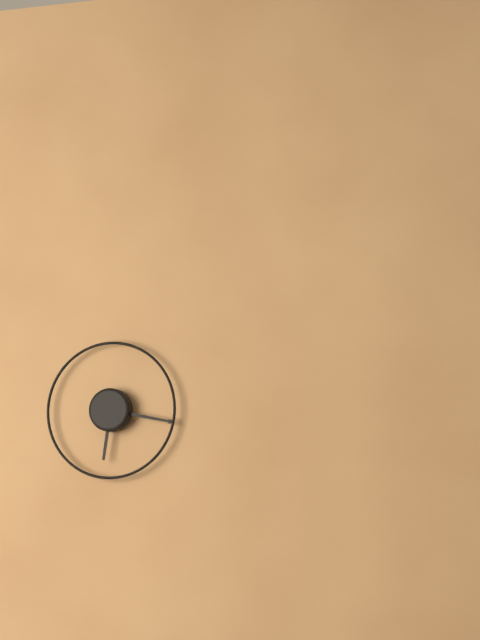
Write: 6,17
